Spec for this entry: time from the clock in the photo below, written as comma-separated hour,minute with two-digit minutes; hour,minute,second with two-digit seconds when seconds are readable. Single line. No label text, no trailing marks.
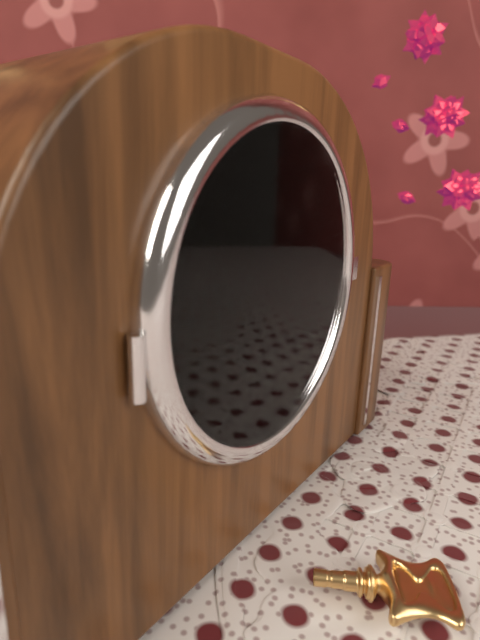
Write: 11,30
